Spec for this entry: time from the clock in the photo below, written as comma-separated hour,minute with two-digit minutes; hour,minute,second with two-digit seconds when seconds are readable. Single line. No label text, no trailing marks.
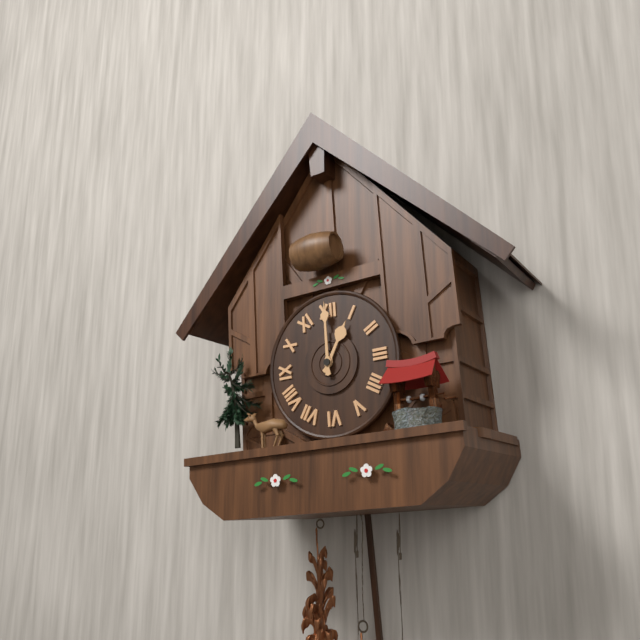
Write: 1,00
